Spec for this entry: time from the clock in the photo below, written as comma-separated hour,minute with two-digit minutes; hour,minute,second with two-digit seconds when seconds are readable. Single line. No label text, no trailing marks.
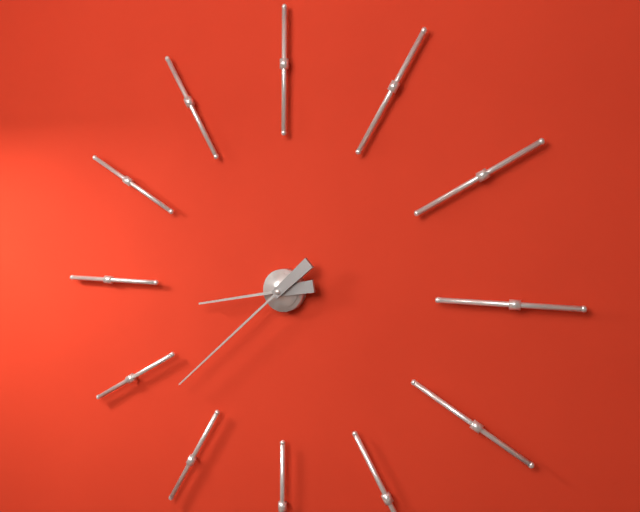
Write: 8,38
